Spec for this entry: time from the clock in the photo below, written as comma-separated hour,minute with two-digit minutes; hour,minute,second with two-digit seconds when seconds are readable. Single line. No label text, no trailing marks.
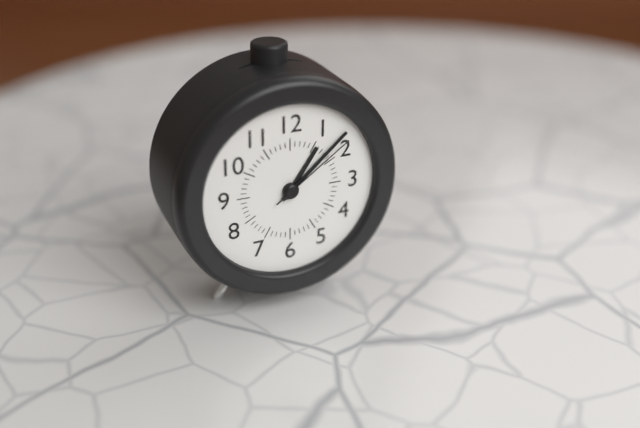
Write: 1,08,09
